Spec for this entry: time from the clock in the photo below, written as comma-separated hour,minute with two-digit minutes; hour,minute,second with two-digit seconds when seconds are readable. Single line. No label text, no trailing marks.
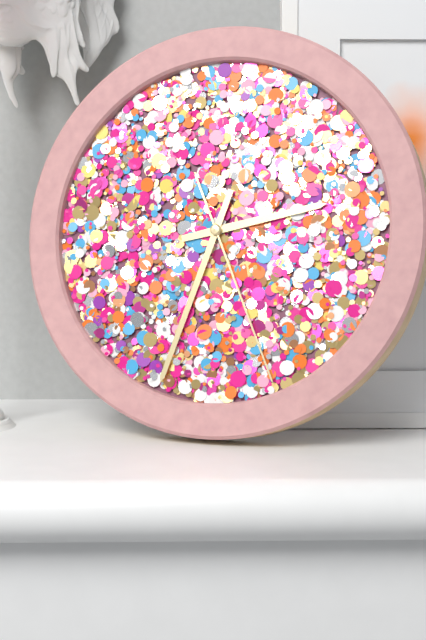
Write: 2,33,26
